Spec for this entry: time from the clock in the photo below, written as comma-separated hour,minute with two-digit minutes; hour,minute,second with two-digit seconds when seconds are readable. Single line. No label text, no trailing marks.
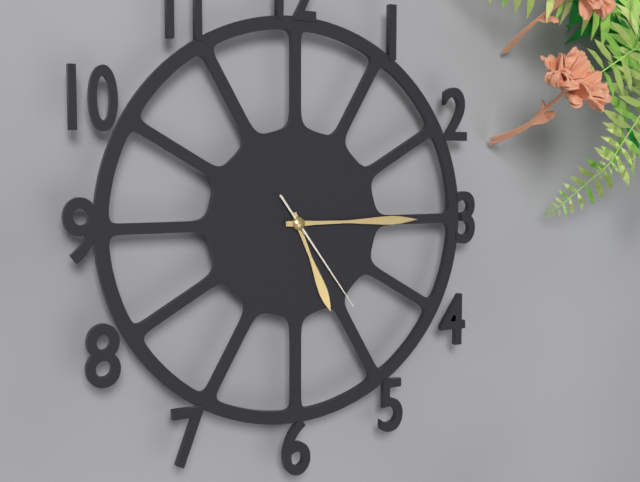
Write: 5,15,24
